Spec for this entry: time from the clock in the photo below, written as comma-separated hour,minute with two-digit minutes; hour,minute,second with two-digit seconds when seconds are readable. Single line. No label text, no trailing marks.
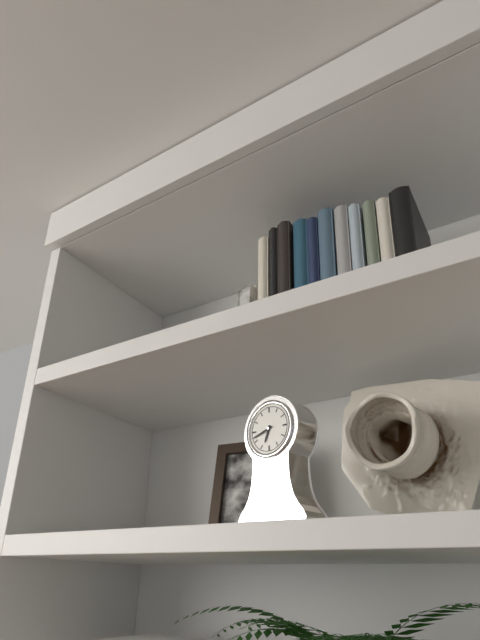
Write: 6,42
